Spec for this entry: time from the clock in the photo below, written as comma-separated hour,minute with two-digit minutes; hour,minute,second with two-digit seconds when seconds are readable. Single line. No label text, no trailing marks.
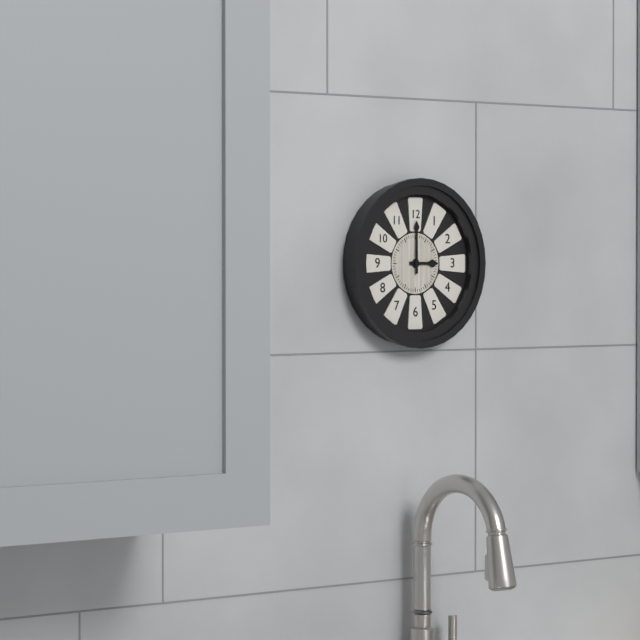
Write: 3,00
